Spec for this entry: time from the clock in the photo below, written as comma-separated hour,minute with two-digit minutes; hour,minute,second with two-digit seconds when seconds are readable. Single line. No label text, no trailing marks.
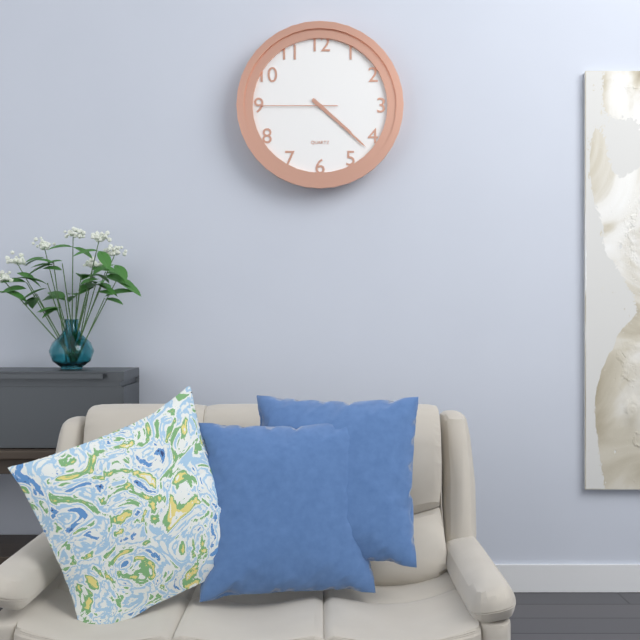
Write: 4,22,45
